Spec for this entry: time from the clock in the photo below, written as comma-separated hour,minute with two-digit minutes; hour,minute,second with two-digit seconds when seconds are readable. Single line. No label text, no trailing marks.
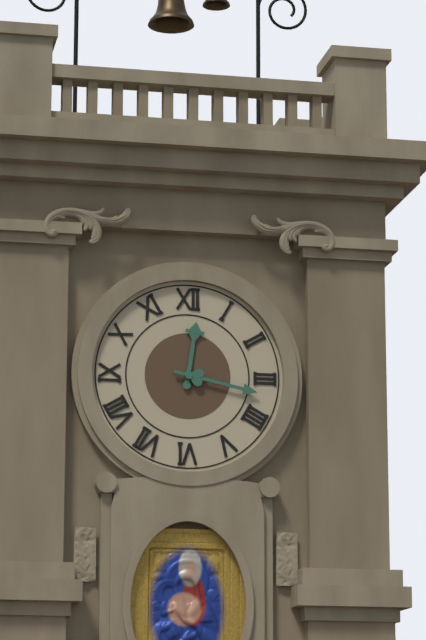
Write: 12,17
